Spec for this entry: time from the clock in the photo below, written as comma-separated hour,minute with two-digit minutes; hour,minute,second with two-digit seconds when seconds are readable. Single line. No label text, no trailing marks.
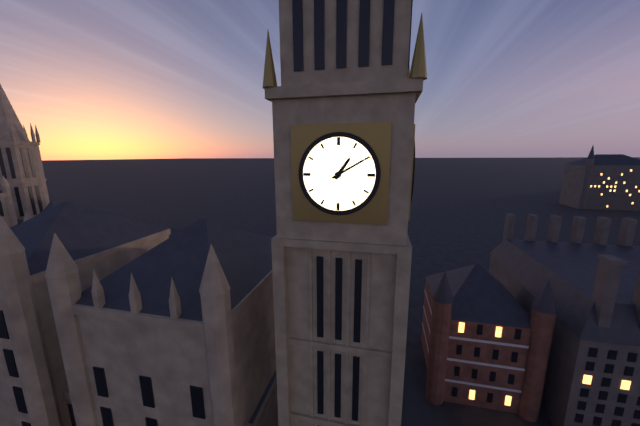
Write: 1,10
